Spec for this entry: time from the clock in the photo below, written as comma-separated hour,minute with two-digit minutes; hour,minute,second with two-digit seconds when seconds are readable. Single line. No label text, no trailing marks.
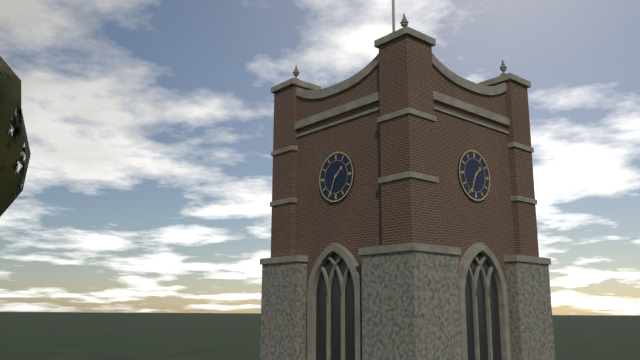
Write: 1,34
